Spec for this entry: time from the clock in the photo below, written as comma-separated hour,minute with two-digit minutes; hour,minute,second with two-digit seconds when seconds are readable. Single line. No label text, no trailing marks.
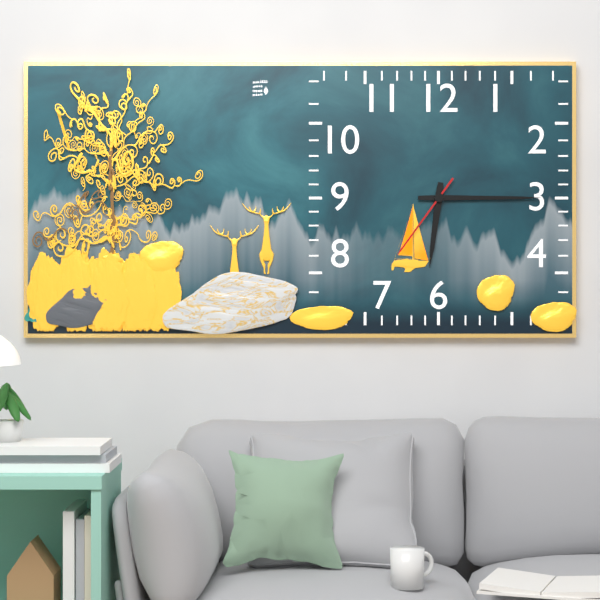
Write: 6,15,36
